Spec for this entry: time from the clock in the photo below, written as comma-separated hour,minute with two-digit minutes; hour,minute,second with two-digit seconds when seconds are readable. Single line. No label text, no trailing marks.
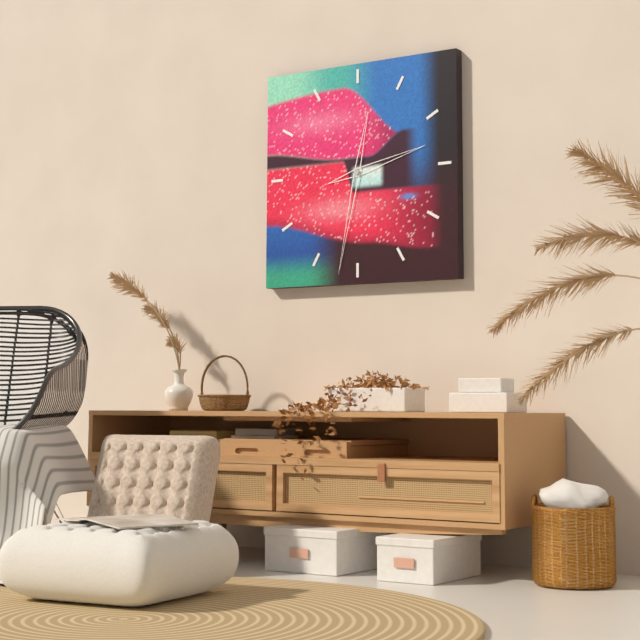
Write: 2,32
